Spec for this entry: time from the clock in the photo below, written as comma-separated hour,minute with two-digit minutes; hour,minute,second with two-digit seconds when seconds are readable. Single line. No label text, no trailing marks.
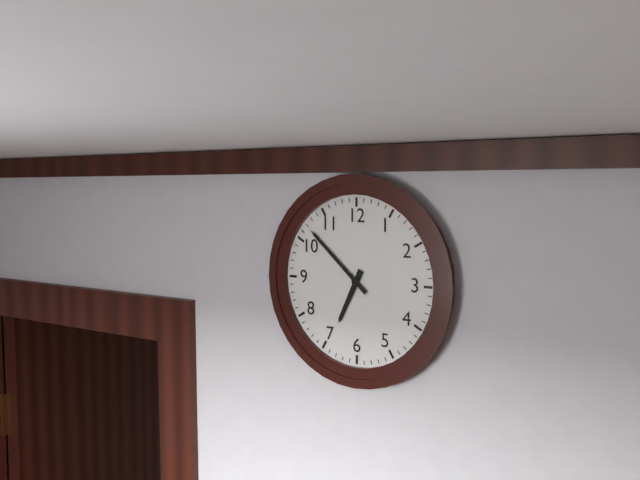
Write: 6,52
